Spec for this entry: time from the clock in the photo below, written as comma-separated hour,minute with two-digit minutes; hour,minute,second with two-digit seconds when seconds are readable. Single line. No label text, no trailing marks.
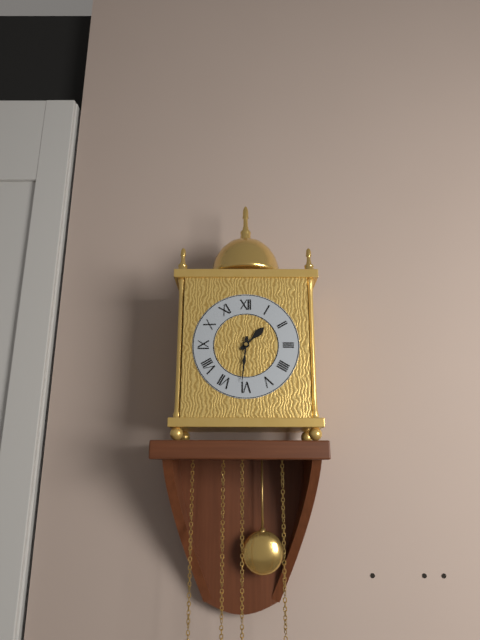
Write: 1,31
